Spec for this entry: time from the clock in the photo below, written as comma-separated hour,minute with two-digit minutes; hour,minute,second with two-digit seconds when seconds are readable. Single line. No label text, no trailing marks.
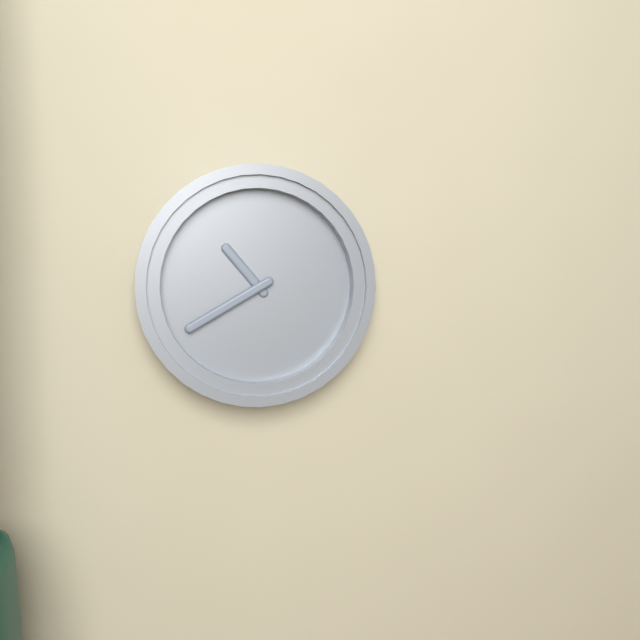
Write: 10,40
